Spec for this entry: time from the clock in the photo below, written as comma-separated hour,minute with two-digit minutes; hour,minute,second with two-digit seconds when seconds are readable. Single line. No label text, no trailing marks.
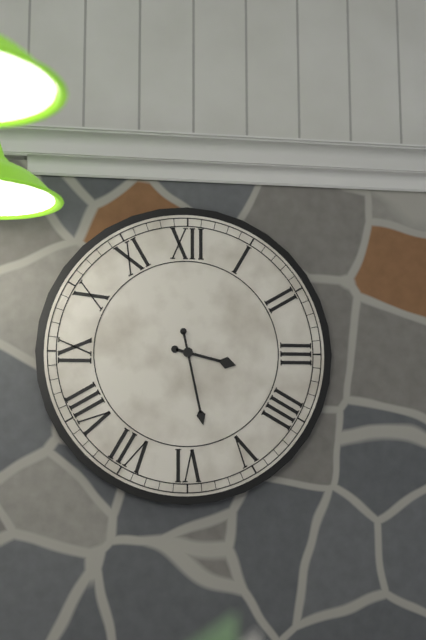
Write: 3,28
